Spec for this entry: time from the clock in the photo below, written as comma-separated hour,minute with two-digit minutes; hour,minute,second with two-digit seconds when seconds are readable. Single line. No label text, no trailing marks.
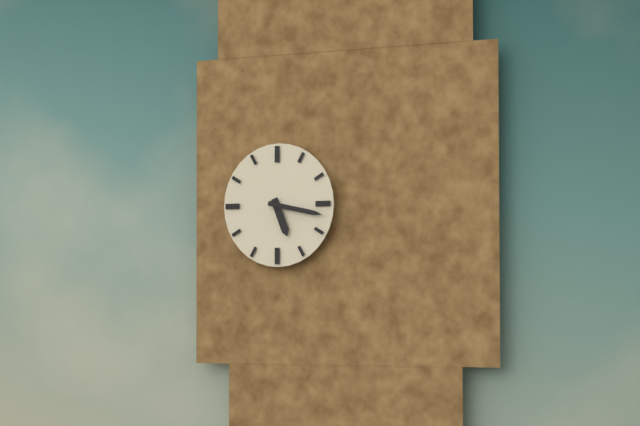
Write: 5,17
